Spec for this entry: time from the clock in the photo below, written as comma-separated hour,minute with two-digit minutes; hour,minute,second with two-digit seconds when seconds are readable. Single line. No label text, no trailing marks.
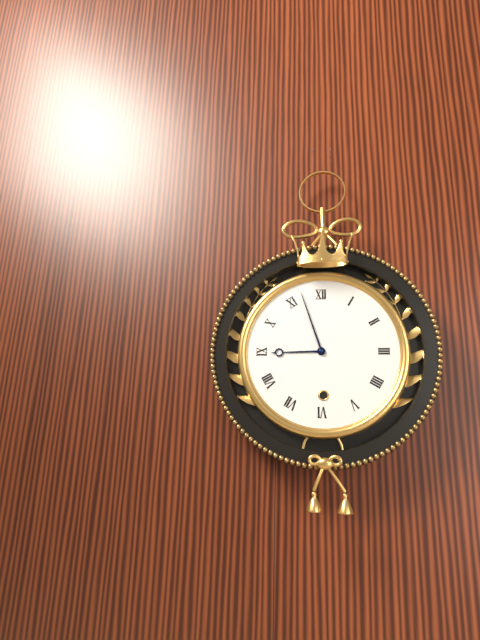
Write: 8,57
